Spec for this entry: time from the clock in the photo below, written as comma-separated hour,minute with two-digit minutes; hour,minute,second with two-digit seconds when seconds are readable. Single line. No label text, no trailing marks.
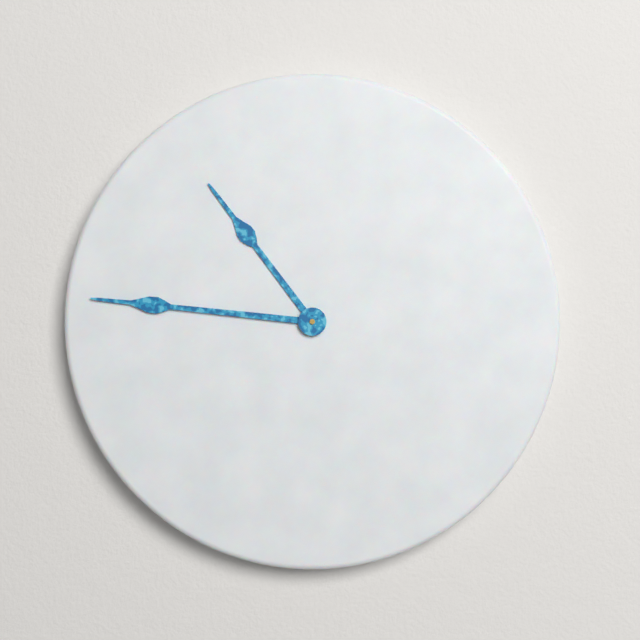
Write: 10,46
